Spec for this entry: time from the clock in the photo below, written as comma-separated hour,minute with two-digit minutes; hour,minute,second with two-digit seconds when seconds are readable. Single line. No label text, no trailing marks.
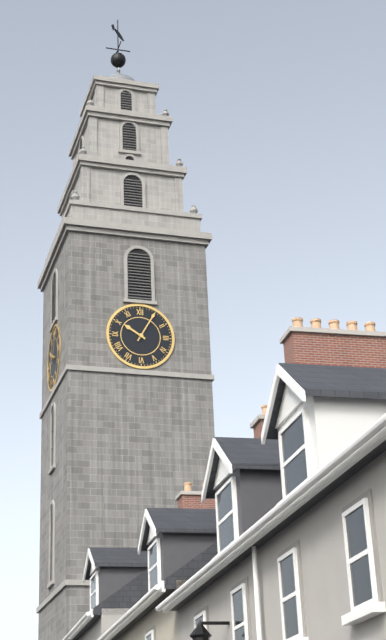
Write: 10,05
